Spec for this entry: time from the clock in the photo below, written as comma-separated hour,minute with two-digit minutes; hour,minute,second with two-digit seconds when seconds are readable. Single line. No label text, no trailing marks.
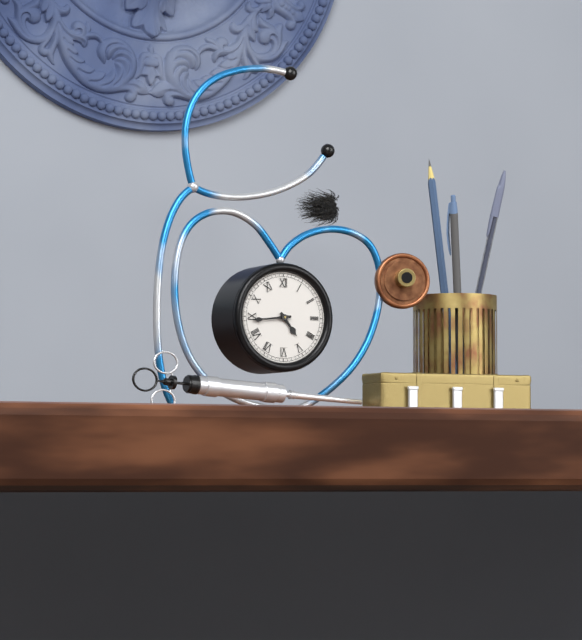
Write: 4,44
